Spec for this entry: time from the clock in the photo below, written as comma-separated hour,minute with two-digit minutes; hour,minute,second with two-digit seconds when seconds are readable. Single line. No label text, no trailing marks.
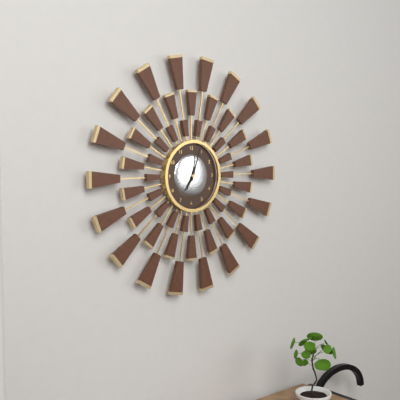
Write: 7,03
